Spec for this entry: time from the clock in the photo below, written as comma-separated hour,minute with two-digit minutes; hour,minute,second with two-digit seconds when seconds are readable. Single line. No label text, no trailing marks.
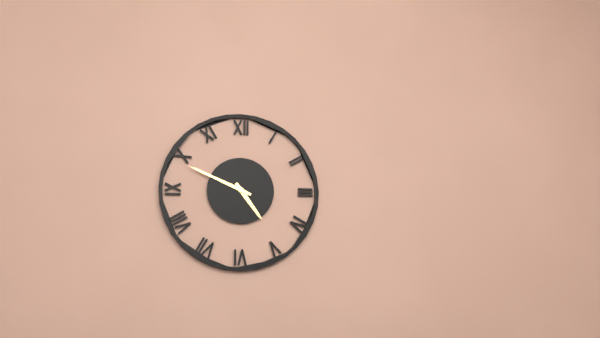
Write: 4,49
